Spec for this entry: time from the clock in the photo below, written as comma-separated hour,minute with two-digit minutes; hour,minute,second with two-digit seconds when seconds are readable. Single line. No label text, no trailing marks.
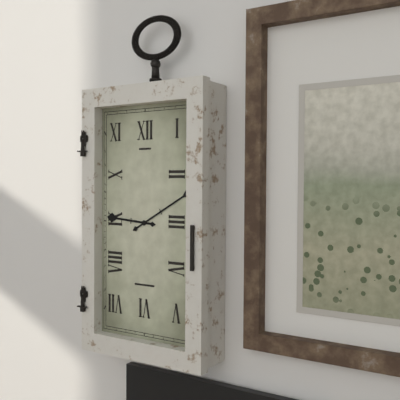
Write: 9,10
